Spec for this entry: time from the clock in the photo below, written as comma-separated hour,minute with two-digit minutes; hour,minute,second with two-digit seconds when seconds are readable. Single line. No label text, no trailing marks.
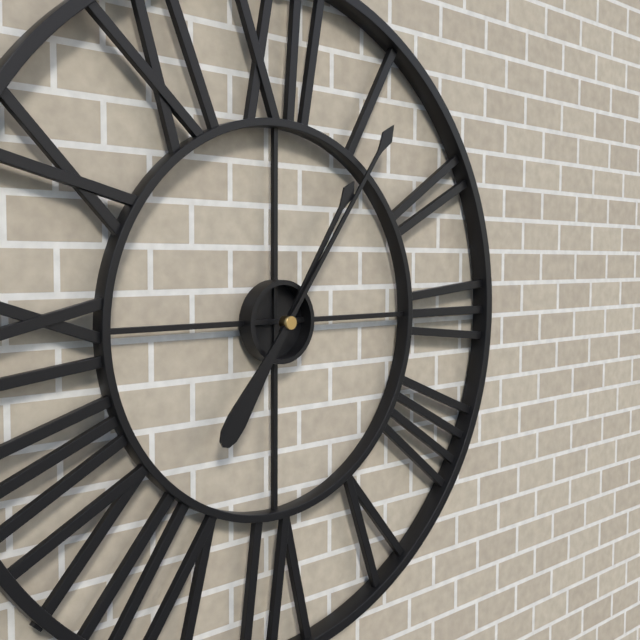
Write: 1,06
